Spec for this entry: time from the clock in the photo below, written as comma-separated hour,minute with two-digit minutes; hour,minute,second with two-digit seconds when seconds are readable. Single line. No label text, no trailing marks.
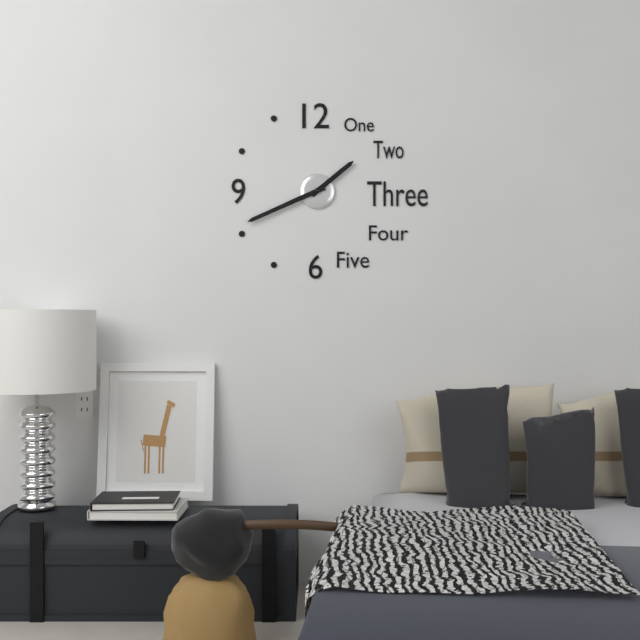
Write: 1,41
